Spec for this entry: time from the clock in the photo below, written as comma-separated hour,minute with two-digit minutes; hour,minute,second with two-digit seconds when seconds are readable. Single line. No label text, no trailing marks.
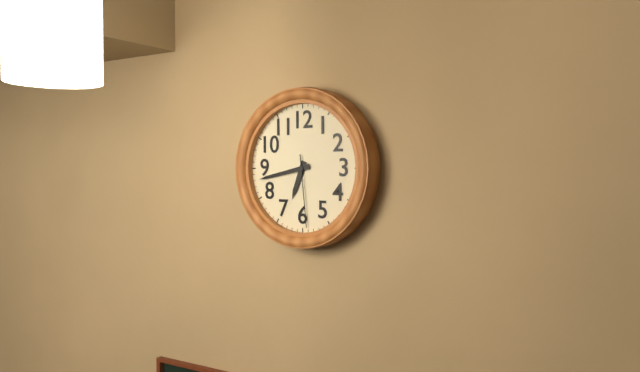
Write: 6,43,29
